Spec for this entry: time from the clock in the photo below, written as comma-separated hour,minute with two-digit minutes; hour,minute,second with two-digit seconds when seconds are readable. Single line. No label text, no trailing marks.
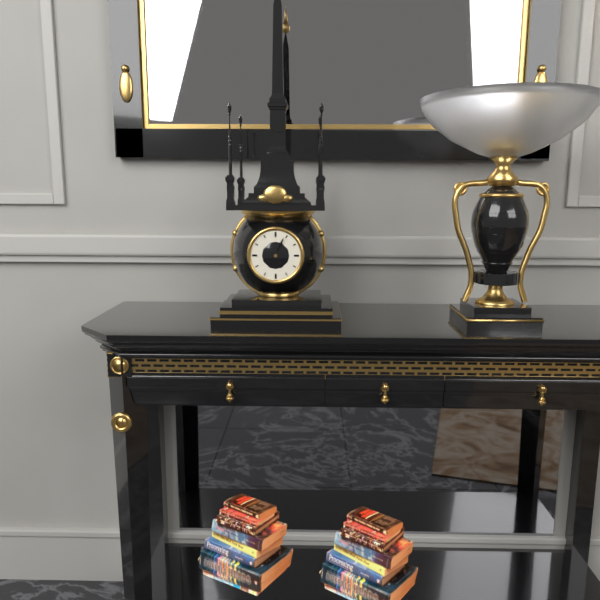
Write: 4,04
